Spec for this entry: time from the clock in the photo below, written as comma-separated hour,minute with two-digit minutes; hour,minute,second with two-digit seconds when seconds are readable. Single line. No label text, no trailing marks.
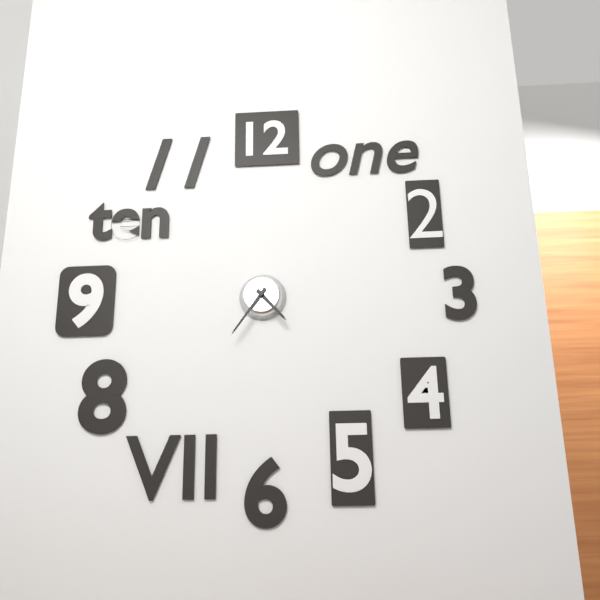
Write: 4,36
